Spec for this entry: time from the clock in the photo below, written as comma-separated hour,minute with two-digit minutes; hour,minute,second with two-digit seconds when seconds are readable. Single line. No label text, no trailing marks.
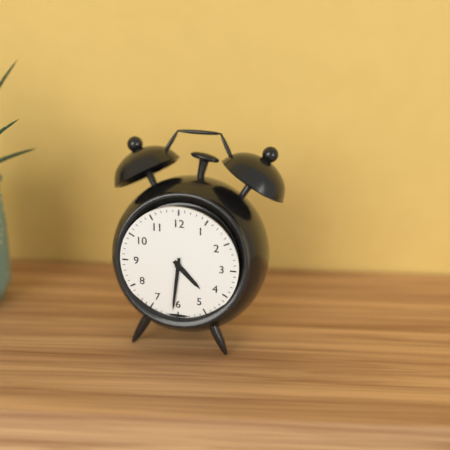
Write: 4,31
